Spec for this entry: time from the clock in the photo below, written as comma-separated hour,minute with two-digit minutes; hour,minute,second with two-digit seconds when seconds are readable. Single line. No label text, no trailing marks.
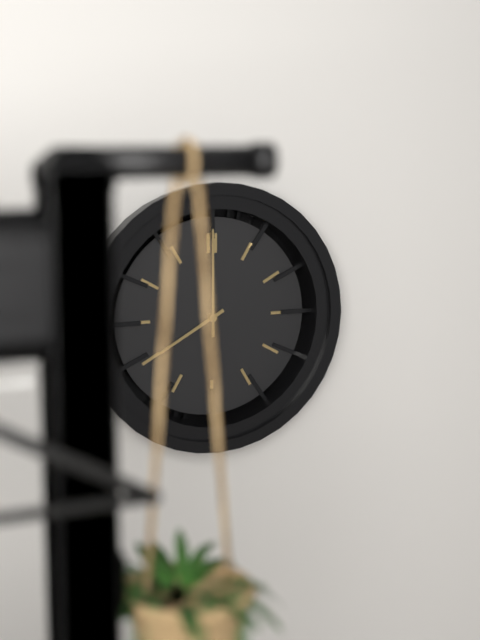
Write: 8,00
